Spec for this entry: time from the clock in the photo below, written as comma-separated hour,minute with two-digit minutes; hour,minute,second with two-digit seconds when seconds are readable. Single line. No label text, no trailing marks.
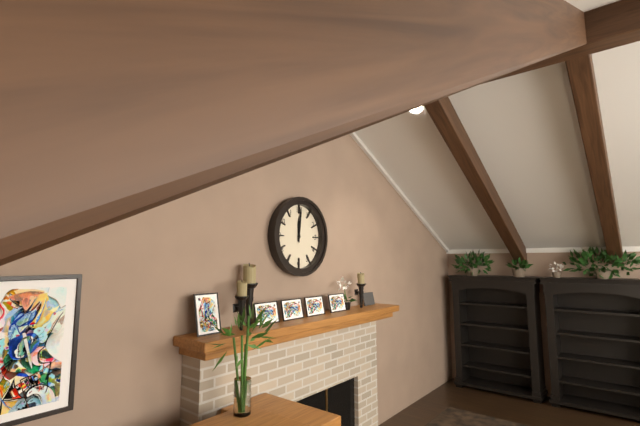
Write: 12,01
